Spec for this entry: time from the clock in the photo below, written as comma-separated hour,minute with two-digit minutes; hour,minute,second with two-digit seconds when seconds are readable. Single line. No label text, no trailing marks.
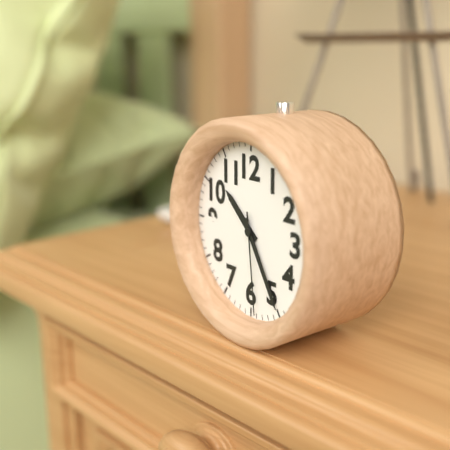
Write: 10,25,29
